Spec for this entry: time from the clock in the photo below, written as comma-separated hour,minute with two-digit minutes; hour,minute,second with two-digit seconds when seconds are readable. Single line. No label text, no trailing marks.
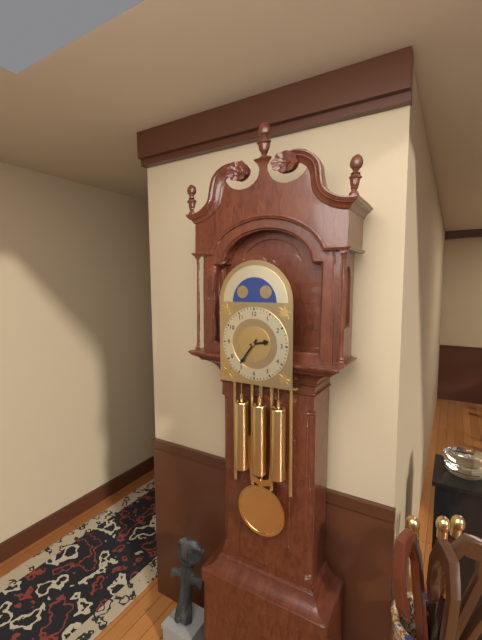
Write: 2,36
